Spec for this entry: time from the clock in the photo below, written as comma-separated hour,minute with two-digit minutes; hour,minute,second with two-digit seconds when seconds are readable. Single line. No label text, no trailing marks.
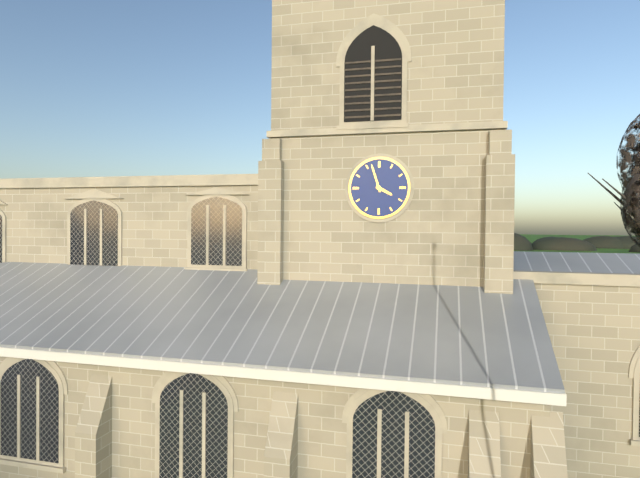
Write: 3,57
